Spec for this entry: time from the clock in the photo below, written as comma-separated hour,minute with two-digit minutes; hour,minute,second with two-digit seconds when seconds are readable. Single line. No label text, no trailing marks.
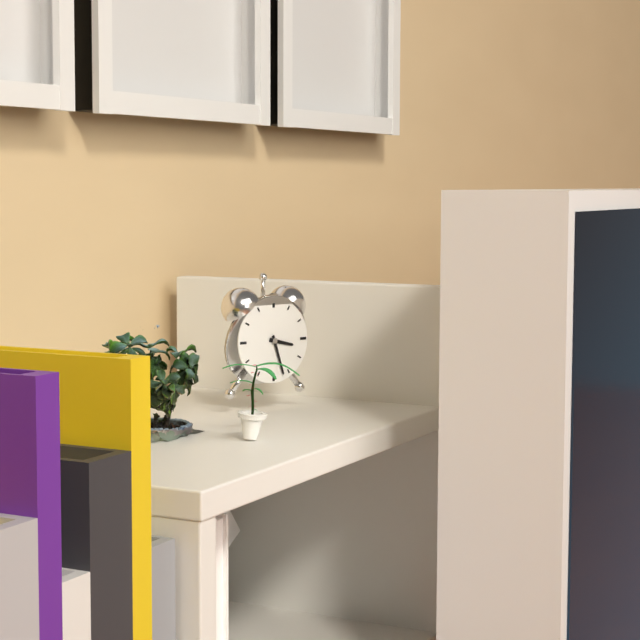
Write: 3,27
